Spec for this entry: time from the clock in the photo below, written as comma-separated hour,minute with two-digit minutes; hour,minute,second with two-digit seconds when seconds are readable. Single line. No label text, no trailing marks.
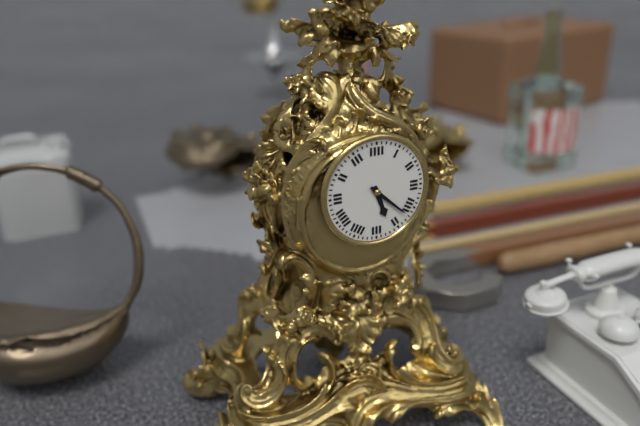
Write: 5,22
